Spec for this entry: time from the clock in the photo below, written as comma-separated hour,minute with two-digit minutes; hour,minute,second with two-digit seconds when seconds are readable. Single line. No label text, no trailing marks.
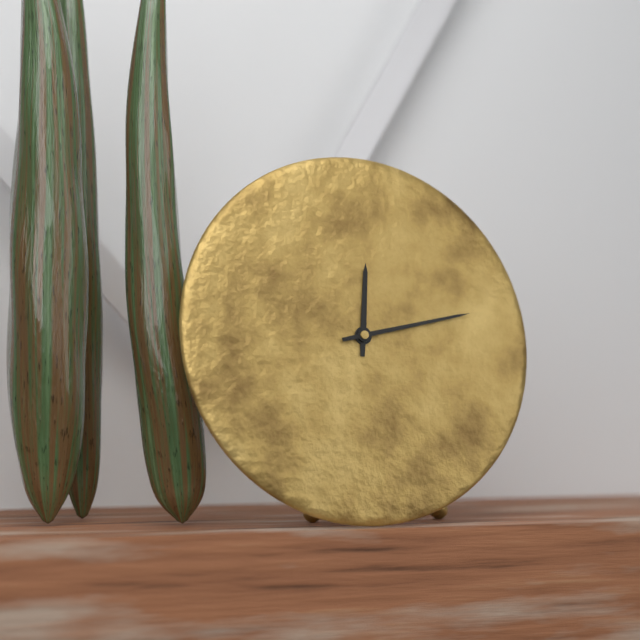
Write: 12,13
